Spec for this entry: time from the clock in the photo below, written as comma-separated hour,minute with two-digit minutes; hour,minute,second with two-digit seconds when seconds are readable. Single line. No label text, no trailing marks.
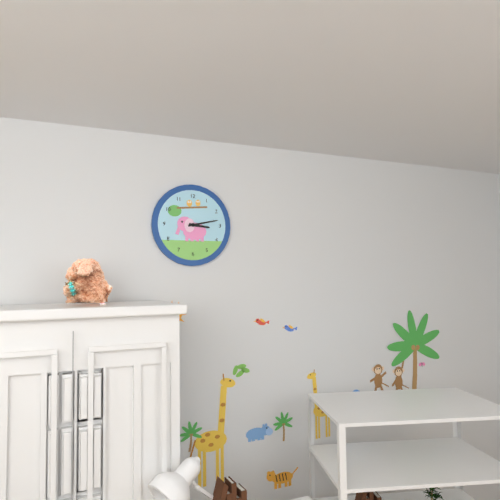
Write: 3,13
